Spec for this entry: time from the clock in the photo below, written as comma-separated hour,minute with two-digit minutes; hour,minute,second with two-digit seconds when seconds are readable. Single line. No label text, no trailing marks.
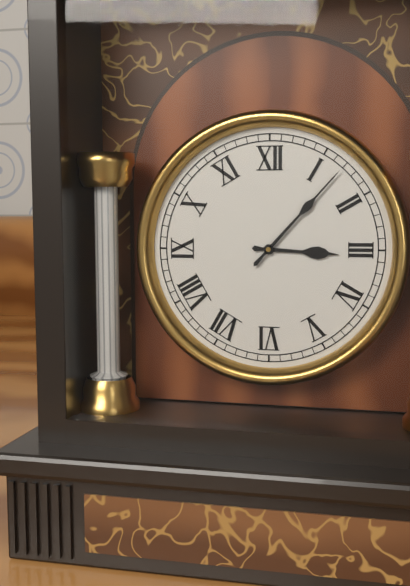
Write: 3,07
